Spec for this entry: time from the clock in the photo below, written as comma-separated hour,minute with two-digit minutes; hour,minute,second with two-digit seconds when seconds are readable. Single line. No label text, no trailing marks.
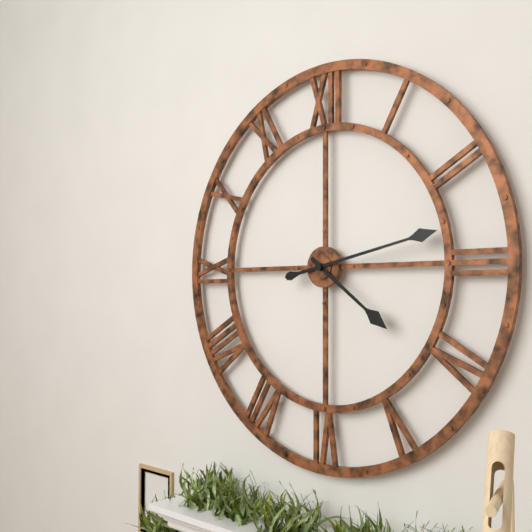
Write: 4,13
